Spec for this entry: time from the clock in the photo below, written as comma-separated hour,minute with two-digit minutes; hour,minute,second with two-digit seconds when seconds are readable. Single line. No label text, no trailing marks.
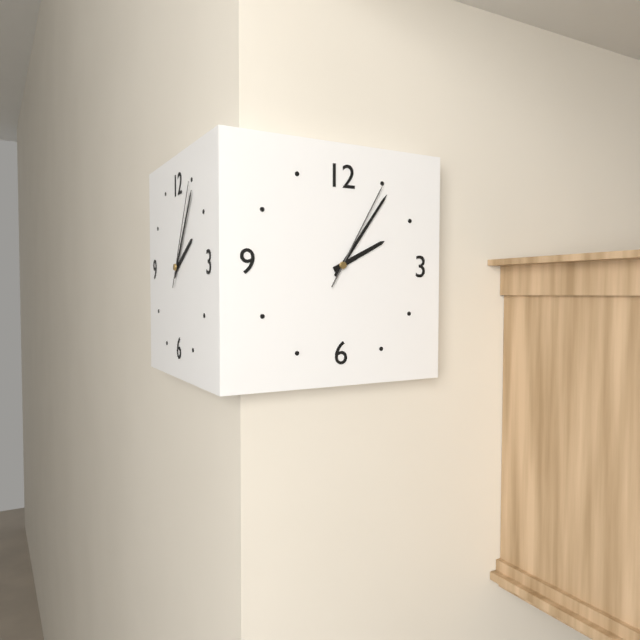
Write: 2,06,05
